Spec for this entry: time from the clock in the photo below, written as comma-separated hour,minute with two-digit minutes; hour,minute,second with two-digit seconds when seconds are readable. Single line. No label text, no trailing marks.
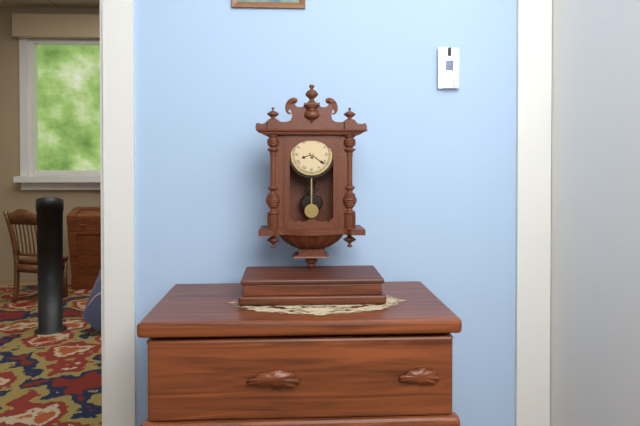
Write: 8,21
